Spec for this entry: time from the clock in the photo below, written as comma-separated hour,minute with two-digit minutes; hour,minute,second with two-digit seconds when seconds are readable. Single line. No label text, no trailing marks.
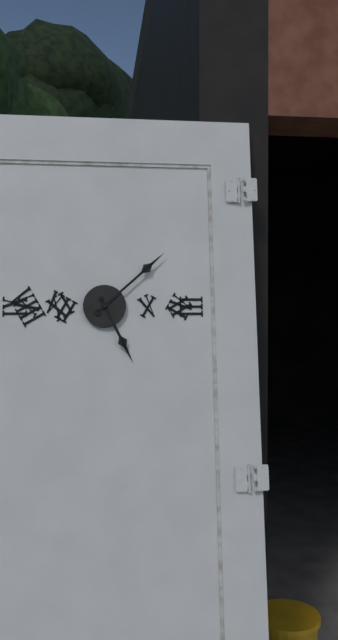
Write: 5,08
